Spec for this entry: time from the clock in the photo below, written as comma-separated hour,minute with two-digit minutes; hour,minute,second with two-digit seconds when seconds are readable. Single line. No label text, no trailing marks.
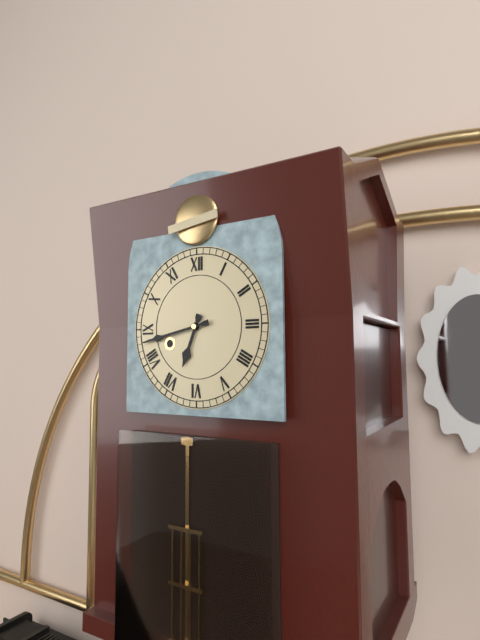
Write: 6,43
